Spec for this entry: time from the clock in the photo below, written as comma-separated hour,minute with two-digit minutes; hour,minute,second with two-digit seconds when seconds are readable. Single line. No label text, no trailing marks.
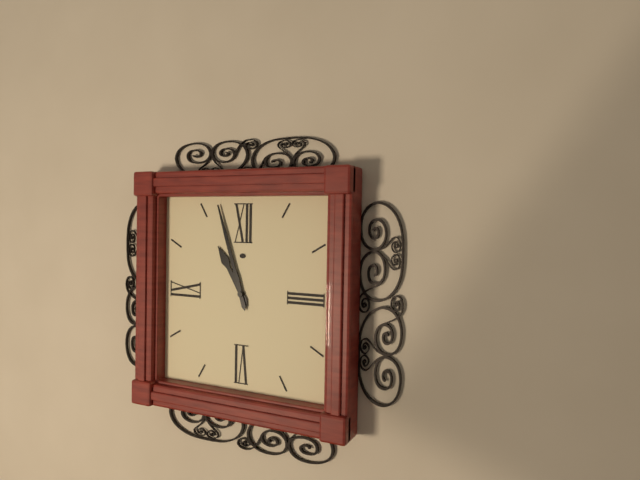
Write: 10,57
